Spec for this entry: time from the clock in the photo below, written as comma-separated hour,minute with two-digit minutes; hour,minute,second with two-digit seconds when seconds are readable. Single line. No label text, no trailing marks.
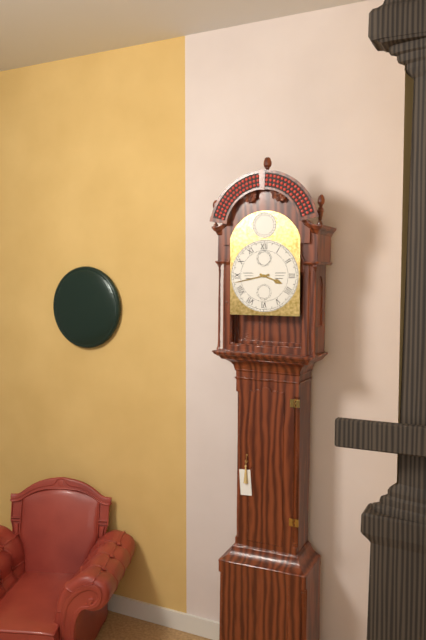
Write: 3,43
